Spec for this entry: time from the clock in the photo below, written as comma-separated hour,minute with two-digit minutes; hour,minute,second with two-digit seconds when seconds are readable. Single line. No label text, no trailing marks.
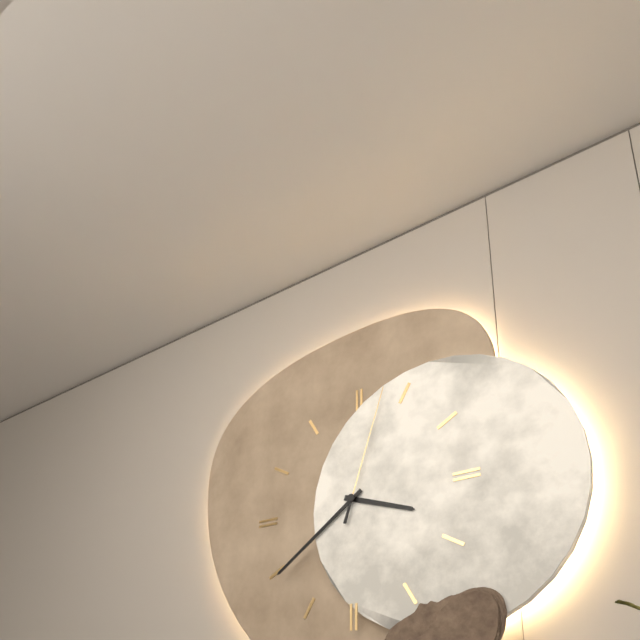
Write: 3,39,03
